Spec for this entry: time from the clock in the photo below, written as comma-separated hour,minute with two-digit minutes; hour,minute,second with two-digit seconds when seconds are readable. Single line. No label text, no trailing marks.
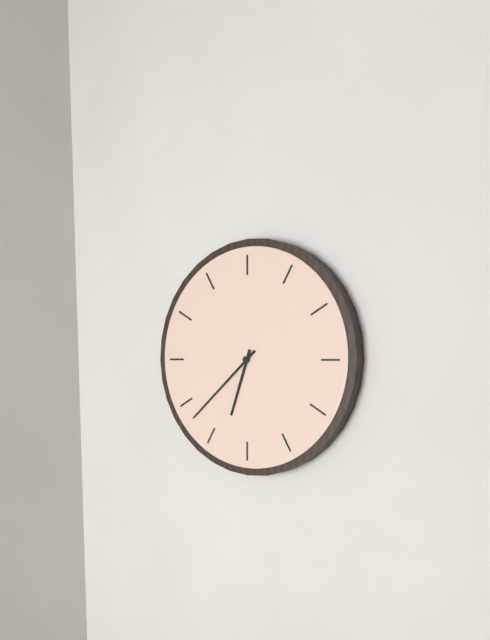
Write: 6,38
